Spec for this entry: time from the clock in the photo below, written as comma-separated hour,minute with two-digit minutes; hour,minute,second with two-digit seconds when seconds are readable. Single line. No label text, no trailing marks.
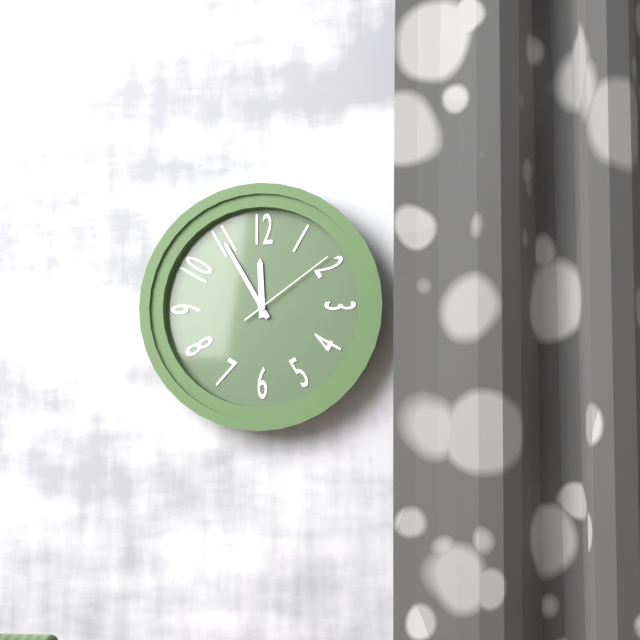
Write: 11,55,09
